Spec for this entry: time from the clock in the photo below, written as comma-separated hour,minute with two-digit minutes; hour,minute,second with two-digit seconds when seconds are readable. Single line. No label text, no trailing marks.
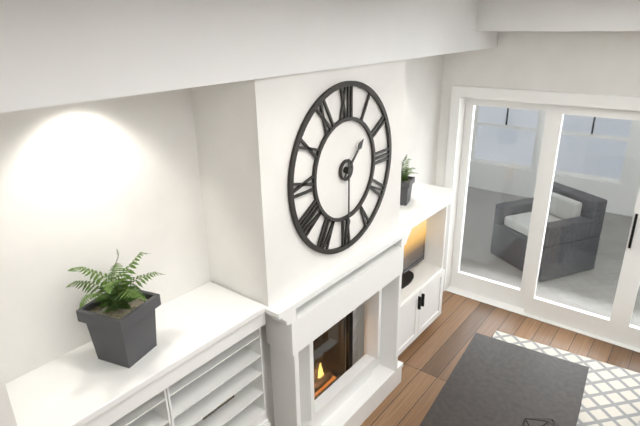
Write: 1,30
